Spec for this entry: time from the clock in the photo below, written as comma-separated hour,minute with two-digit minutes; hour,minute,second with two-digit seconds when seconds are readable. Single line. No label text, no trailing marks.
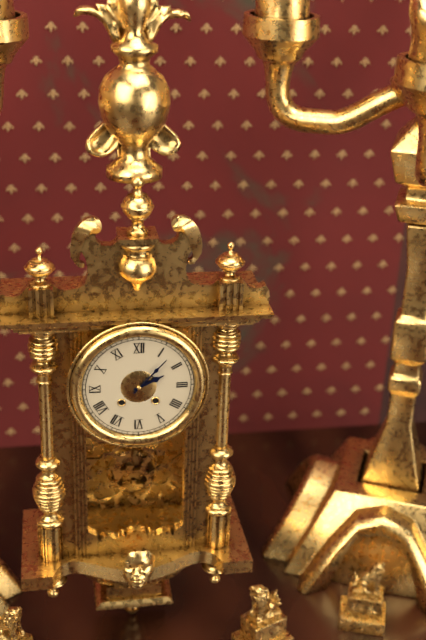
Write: 2,07
